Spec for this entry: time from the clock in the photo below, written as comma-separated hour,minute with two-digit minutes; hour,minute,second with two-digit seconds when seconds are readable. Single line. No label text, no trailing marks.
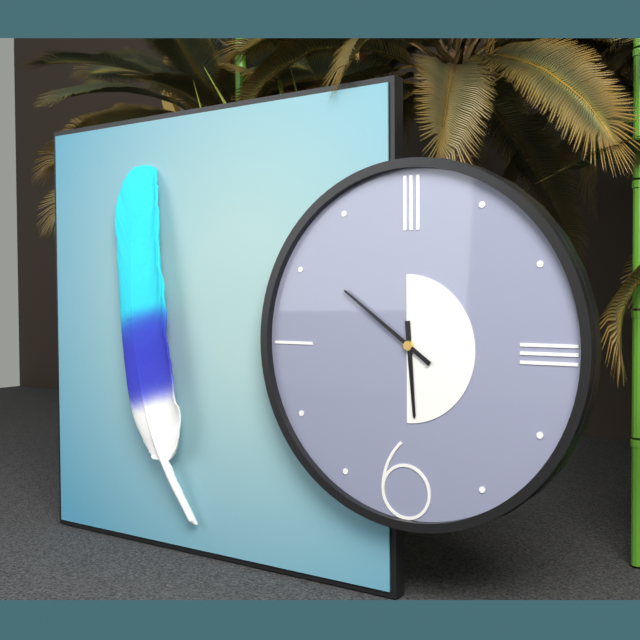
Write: 5,51
